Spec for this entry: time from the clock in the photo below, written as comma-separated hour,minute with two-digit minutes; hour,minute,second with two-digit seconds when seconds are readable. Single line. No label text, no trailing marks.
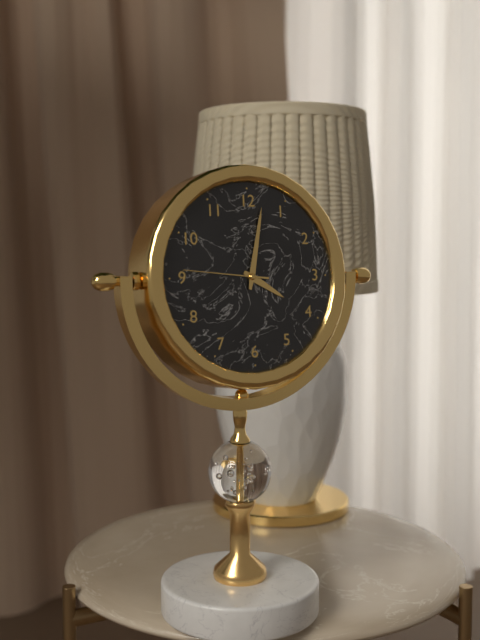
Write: 4,02,46
